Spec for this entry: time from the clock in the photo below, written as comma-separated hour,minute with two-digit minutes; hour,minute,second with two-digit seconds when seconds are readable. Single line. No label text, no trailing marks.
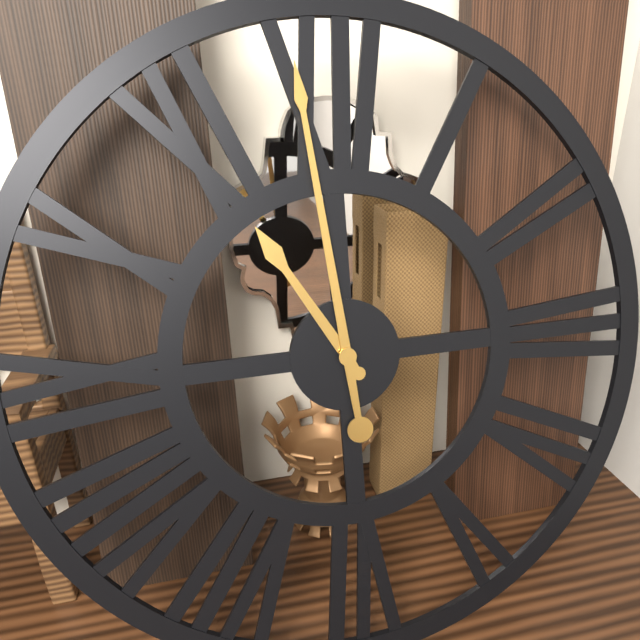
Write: 10,59
